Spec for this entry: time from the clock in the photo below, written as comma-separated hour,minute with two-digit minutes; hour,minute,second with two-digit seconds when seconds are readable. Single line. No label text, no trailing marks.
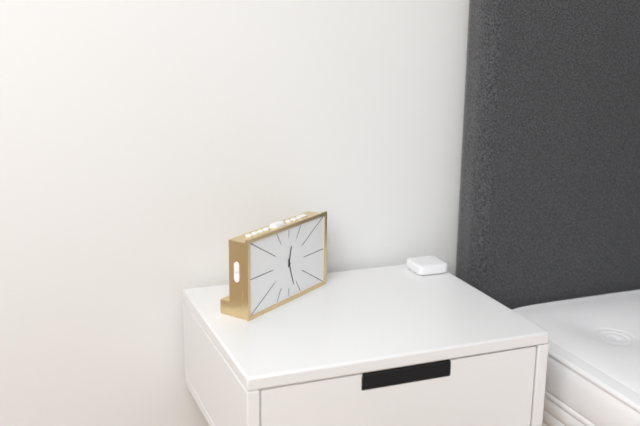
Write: 12,27
